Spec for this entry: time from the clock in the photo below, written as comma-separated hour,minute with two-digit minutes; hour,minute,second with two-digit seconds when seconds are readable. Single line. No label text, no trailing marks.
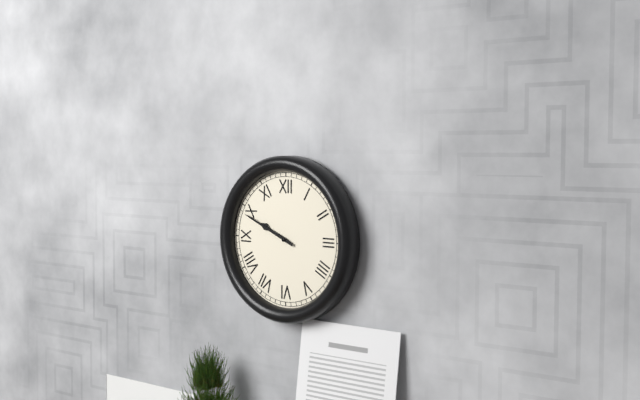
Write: 9,49
